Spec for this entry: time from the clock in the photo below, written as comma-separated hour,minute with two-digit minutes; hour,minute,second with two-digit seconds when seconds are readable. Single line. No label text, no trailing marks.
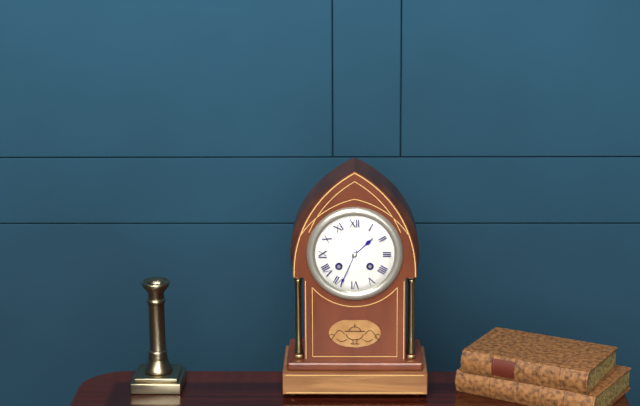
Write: 1,34
